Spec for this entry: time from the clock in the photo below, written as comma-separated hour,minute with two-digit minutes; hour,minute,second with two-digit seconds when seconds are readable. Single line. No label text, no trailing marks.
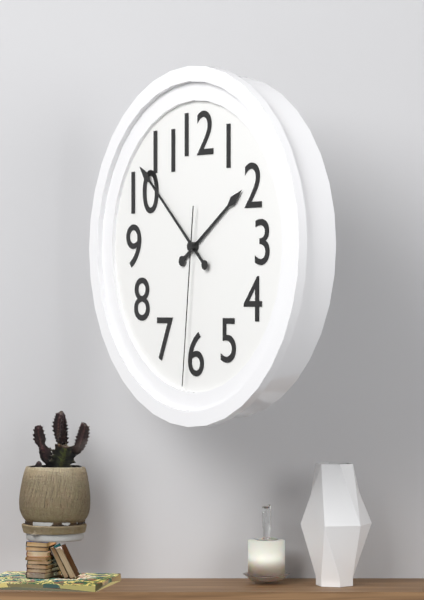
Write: 1,52,31
